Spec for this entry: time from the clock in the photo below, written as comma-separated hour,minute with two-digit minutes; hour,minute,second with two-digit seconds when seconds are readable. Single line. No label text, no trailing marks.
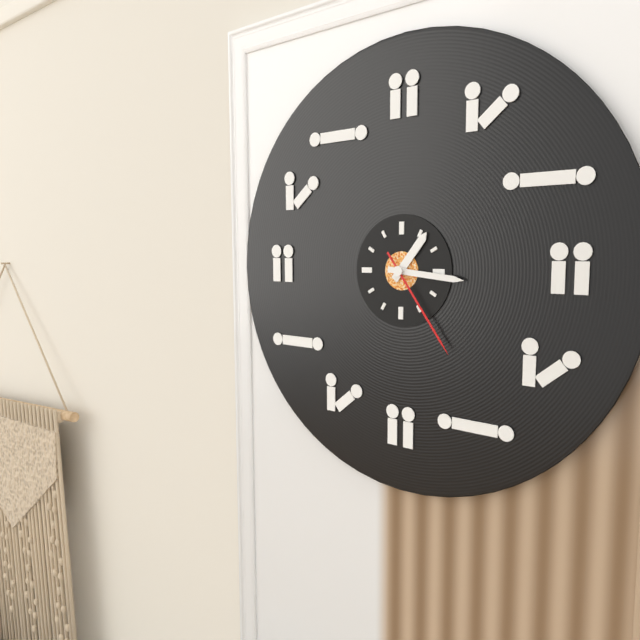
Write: 1,16,24
